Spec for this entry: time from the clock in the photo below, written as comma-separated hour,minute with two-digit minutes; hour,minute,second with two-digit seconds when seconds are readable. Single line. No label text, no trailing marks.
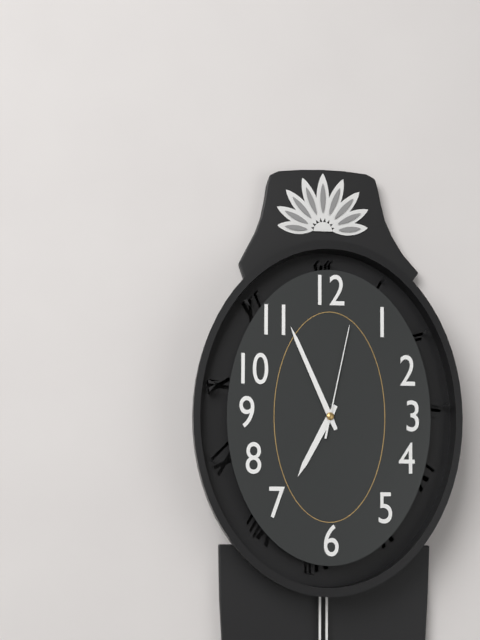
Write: 6,56,02
